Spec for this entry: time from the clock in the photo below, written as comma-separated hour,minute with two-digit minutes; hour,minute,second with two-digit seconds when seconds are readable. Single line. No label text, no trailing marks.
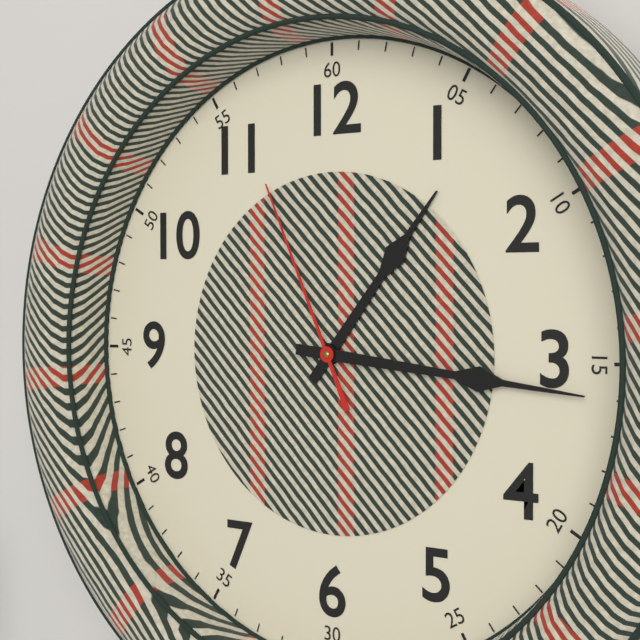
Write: 1,16,56
